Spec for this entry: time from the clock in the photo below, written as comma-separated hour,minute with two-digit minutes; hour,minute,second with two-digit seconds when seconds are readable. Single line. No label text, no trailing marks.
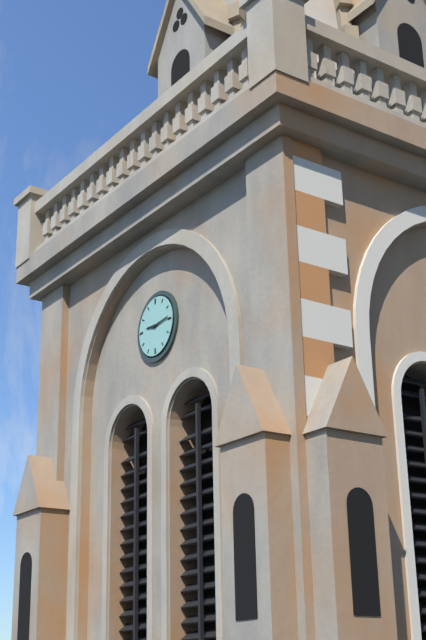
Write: 9,14
